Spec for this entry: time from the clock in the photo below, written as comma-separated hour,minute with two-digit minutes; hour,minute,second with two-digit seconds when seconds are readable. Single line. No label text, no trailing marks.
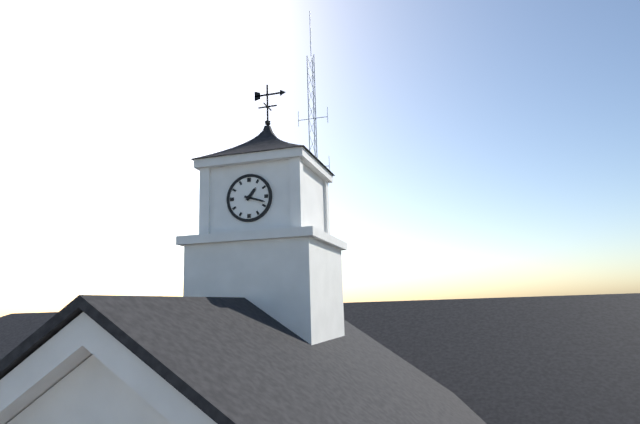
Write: 1,18
